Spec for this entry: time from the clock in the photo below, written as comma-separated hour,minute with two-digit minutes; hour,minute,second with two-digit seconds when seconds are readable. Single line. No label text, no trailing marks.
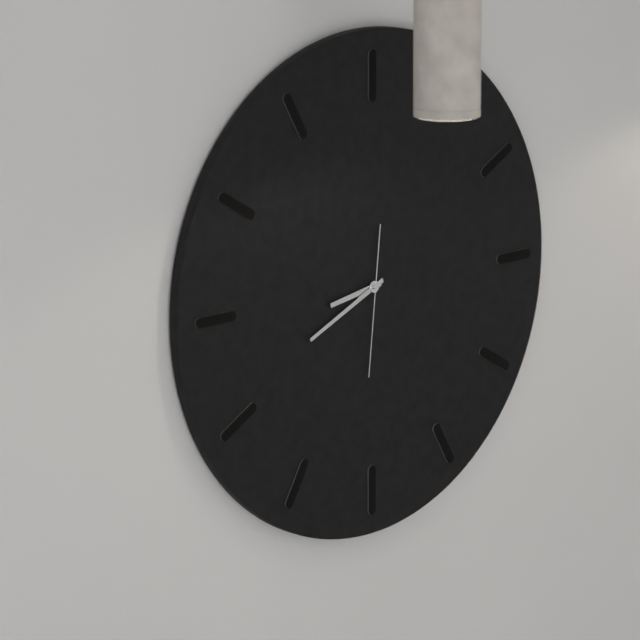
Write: 8,41,31
